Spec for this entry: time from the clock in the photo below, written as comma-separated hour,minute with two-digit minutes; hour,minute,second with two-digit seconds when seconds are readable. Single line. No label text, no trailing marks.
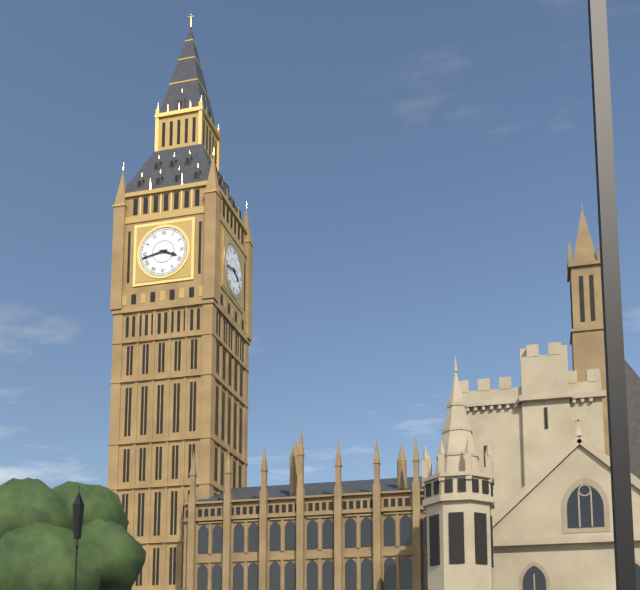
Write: 3,43
